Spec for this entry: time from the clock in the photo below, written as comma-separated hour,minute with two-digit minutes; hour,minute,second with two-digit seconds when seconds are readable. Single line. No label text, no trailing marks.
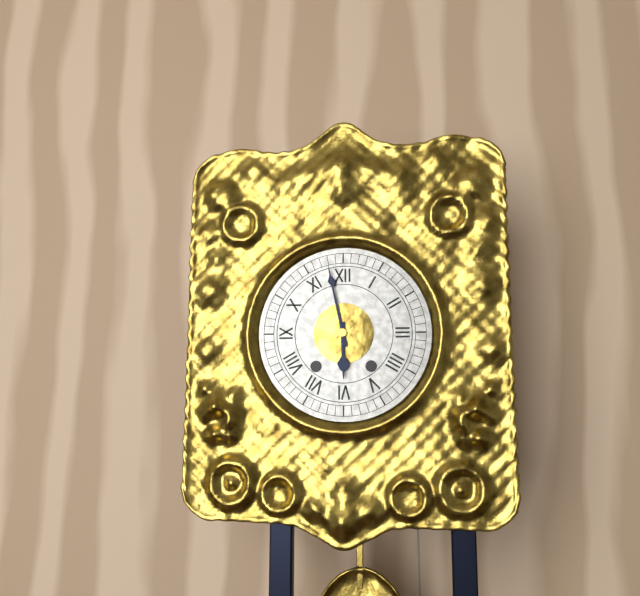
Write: 5,58
